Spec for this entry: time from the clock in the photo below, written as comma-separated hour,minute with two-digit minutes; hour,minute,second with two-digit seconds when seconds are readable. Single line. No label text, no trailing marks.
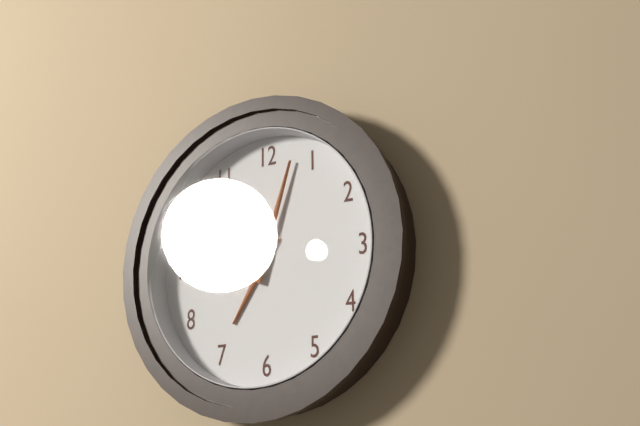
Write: 7,03
